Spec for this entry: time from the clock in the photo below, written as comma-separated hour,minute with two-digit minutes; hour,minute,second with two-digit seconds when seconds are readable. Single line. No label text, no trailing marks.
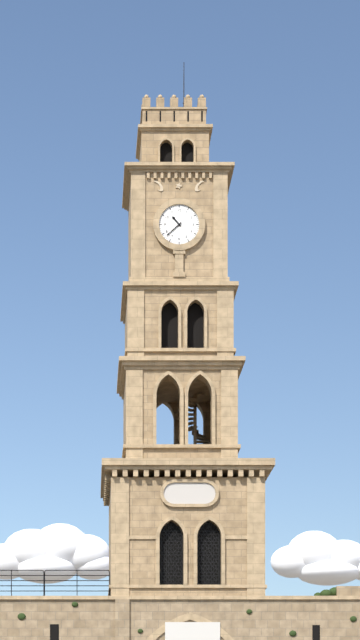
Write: 10,38
